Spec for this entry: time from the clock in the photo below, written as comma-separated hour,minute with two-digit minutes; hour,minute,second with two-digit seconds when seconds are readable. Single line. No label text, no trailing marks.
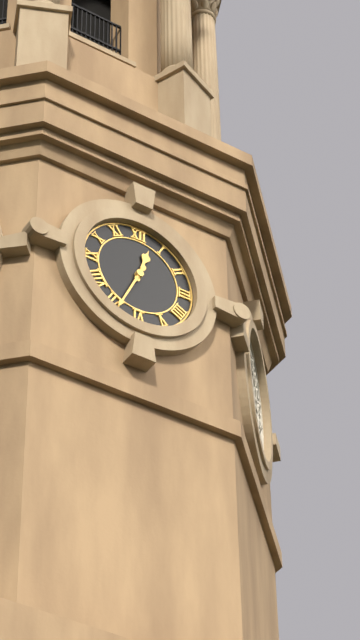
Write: 12,34
